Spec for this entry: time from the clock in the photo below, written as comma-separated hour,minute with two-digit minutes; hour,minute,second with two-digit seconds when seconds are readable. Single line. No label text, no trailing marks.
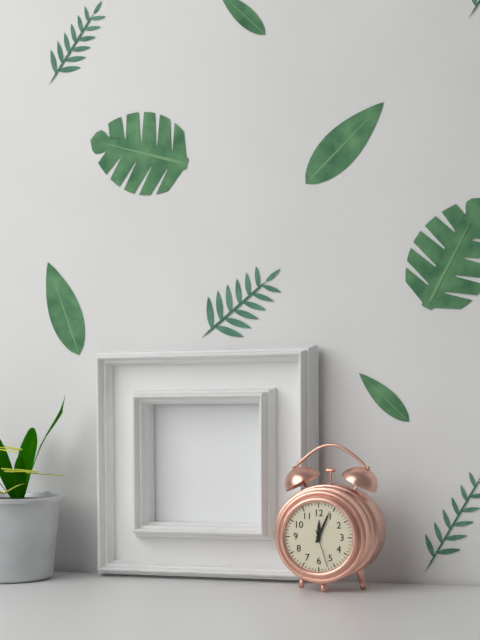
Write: 12,04
